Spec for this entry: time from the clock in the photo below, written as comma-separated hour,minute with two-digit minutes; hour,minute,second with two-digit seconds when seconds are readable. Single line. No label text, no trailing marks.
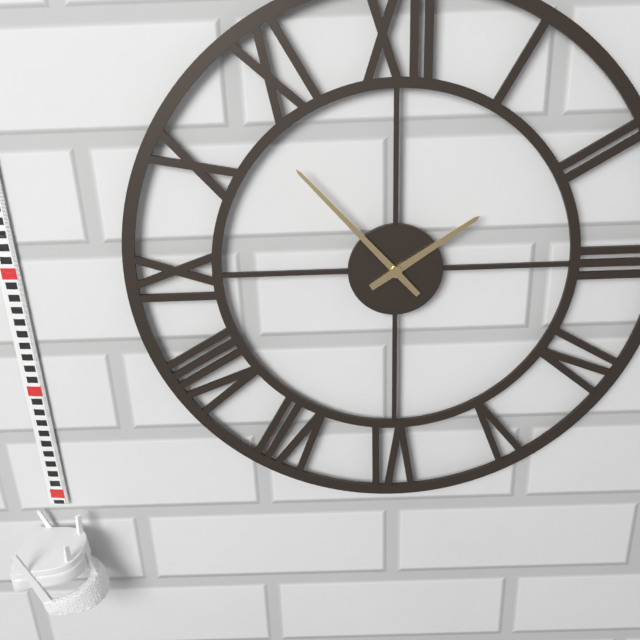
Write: 1,53
